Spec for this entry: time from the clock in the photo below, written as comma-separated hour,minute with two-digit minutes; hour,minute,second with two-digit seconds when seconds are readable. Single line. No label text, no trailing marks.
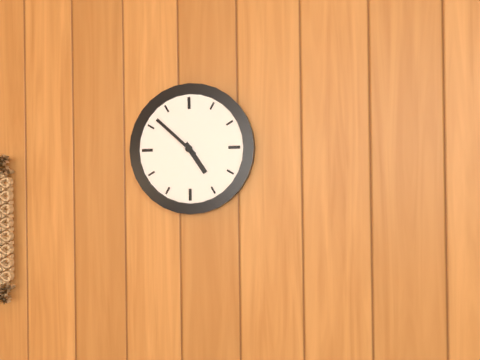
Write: 4,52
